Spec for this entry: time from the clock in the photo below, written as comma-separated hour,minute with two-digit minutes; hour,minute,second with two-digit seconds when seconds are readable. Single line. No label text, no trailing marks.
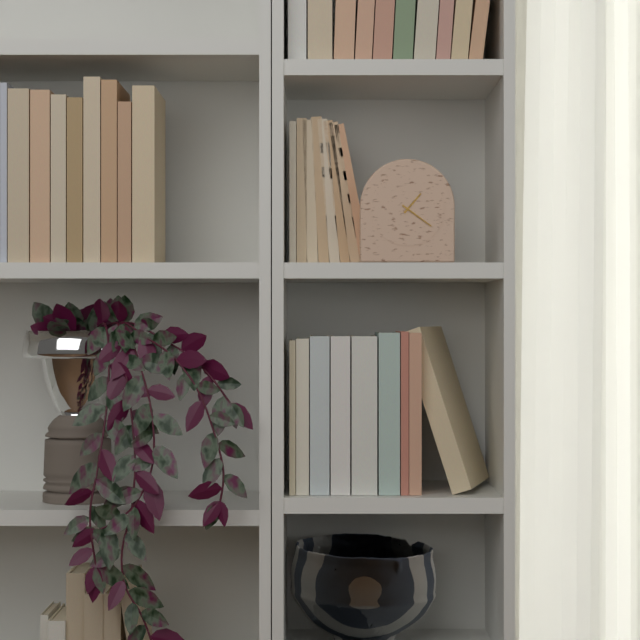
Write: 1,21
